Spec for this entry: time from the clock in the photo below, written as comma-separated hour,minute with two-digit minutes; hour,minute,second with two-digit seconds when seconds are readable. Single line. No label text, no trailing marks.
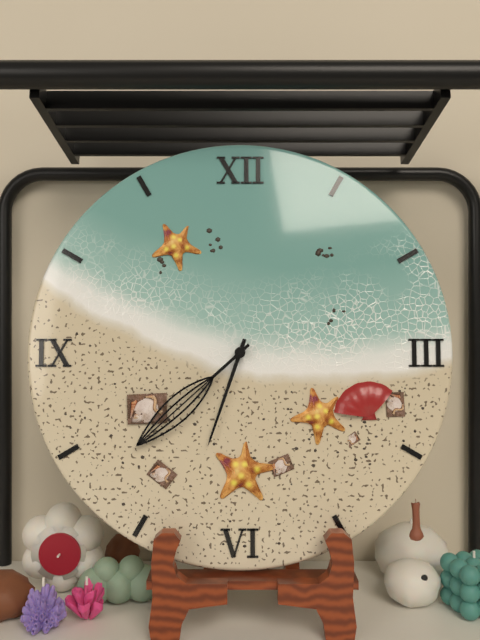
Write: 6,38
